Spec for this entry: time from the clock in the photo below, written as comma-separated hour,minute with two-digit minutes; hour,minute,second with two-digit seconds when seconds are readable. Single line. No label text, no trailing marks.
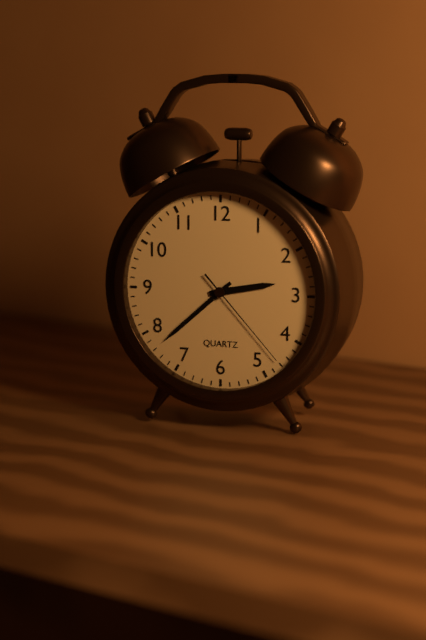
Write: 2,38,23
